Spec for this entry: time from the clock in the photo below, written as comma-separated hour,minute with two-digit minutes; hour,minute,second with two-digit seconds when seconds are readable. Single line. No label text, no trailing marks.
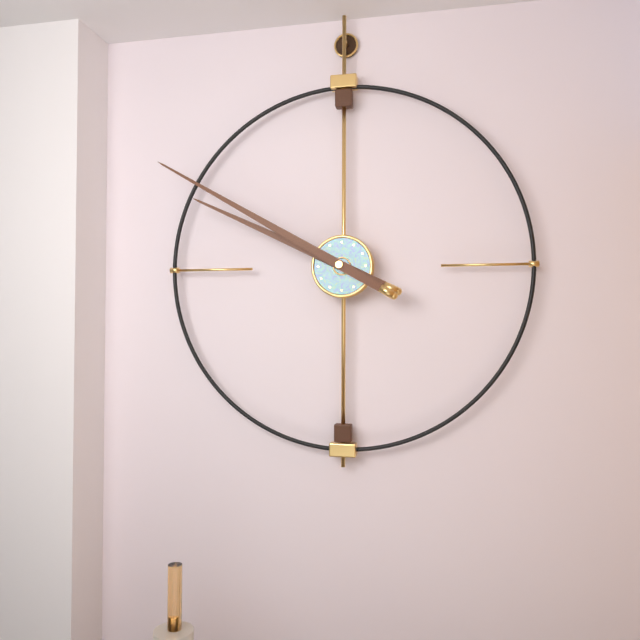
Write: 9,50
